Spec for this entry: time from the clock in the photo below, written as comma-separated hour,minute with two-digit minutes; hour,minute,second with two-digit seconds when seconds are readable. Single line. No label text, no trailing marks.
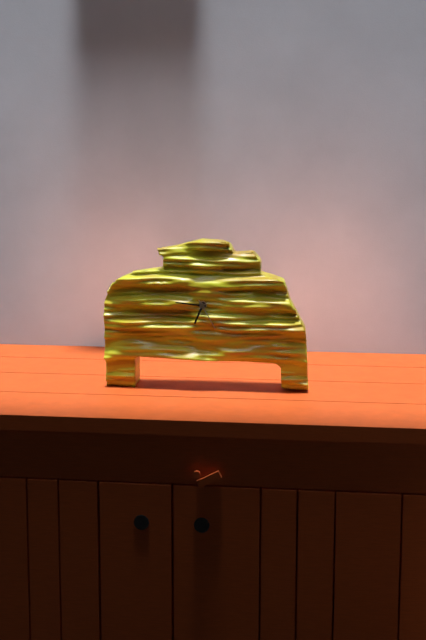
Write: 6,46
